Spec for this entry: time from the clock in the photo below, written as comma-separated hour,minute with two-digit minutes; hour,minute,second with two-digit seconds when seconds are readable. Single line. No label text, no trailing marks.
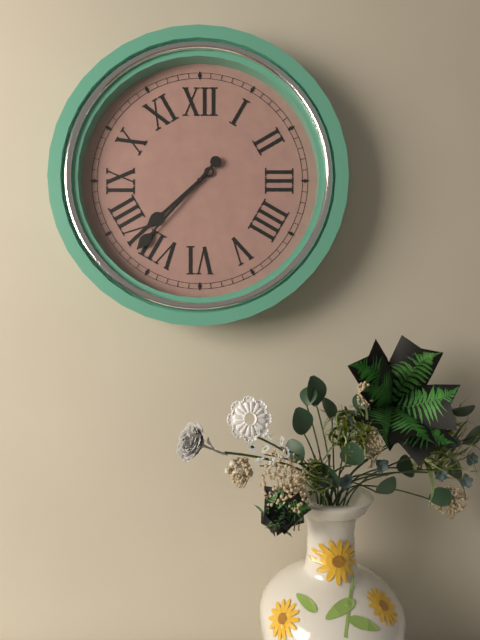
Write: 7,37
